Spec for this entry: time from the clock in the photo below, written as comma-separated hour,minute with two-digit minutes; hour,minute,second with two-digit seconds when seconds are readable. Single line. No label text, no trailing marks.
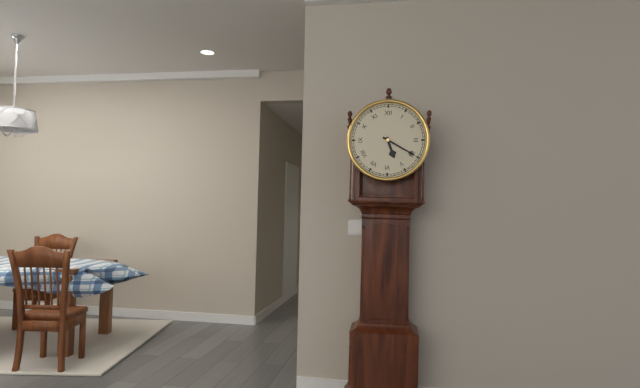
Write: 5,20
